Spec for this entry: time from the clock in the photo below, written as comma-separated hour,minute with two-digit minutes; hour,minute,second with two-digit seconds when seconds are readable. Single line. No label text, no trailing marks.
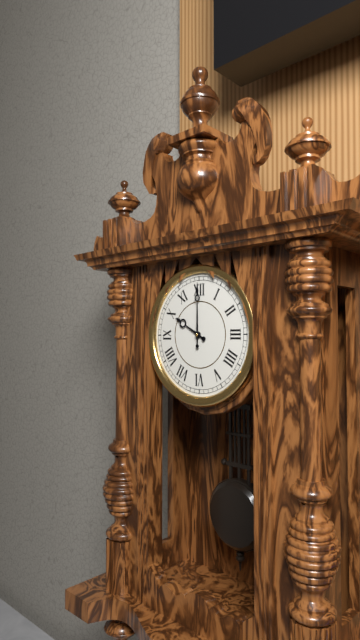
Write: 10,00
